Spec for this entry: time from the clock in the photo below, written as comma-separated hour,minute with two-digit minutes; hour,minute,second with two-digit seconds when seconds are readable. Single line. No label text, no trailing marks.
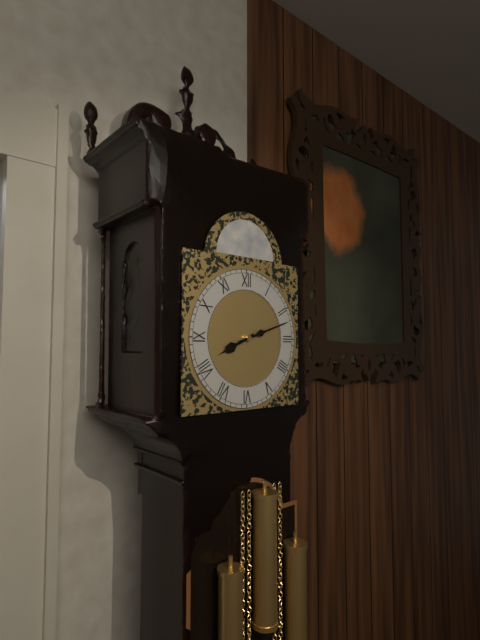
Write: 8,12
